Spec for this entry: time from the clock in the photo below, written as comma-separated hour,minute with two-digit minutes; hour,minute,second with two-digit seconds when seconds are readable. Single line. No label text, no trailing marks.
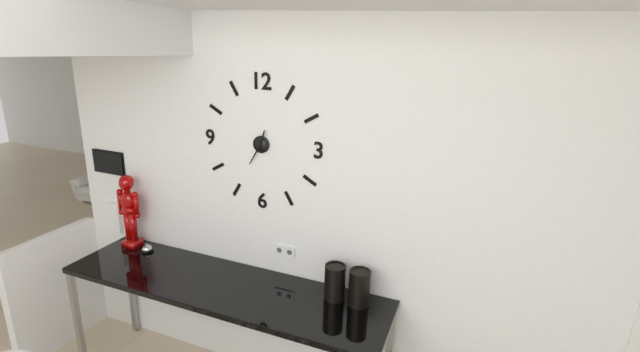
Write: 12,35
